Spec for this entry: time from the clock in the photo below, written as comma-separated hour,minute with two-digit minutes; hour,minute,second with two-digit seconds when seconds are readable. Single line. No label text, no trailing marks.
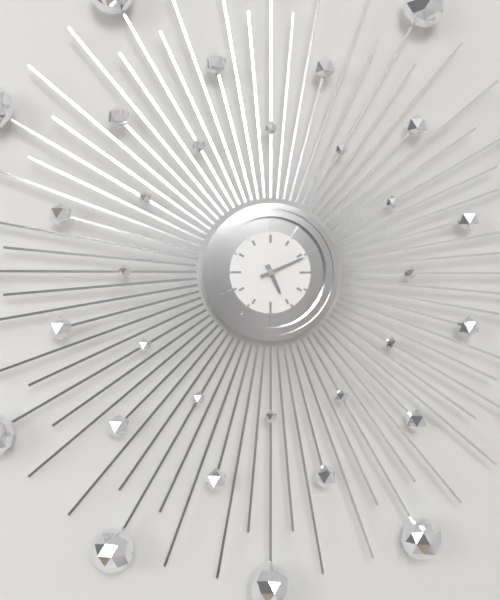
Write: 5,11
